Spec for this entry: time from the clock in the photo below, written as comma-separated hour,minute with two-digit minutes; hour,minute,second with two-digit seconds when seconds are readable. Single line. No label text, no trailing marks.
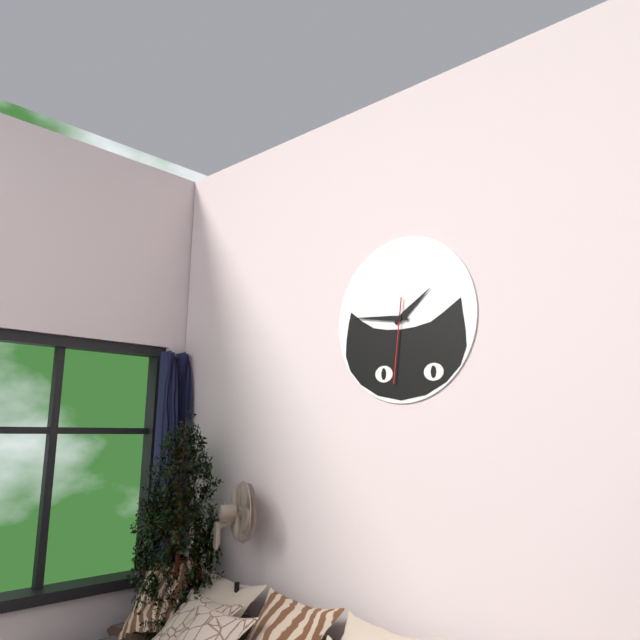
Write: 1,46,31
